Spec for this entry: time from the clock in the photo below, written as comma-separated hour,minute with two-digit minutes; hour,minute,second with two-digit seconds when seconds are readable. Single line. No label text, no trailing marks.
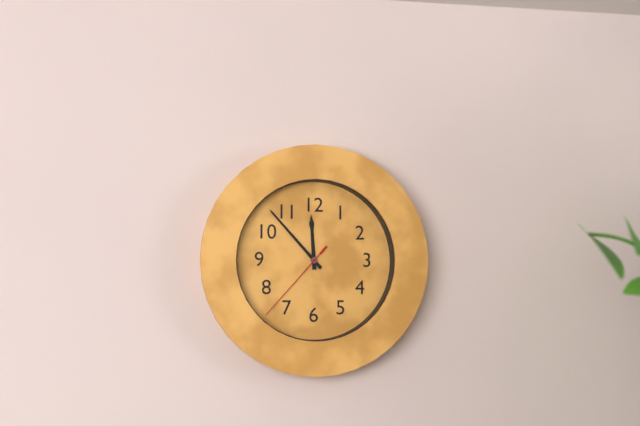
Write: 11,53,37
